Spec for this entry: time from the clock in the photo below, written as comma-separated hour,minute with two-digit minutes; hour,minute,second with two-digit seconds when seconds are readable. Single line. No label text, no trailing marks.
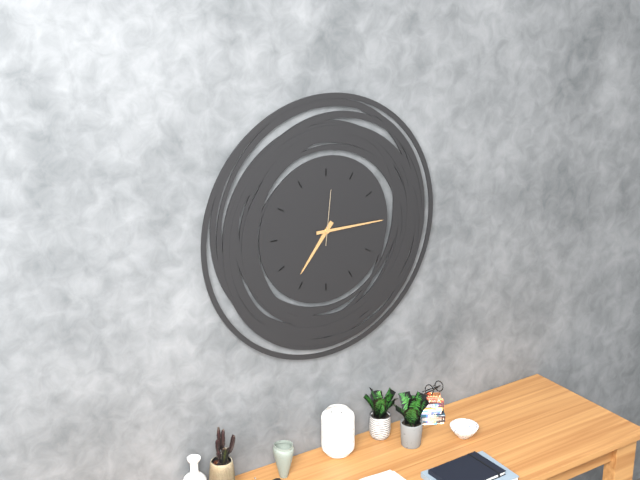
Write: 7,15,01
